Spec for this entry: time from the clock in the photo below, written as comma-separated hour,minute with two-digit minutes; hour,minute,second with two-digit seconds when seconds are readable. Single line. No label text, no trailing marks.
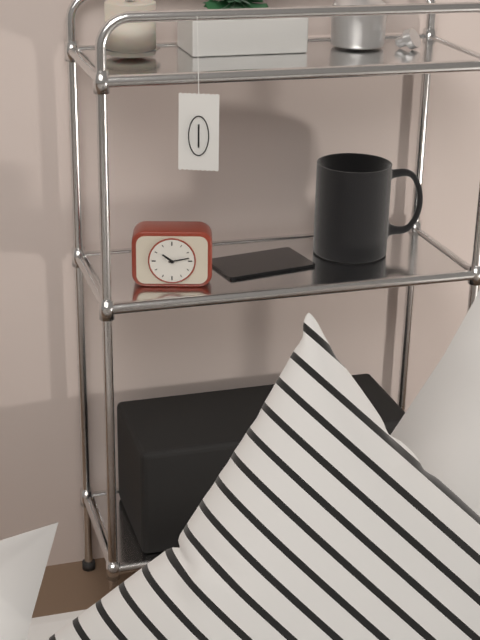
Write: 10,13
